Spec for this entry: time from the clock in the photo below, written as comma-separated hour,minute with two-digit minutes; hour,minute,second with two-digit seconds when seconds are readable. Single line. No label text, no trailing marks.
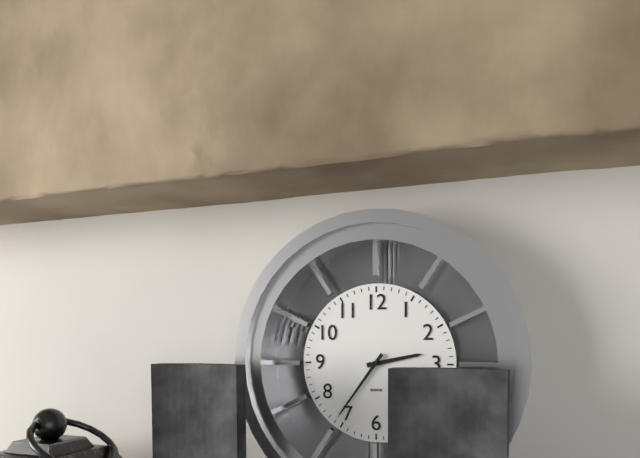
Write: 2,36
